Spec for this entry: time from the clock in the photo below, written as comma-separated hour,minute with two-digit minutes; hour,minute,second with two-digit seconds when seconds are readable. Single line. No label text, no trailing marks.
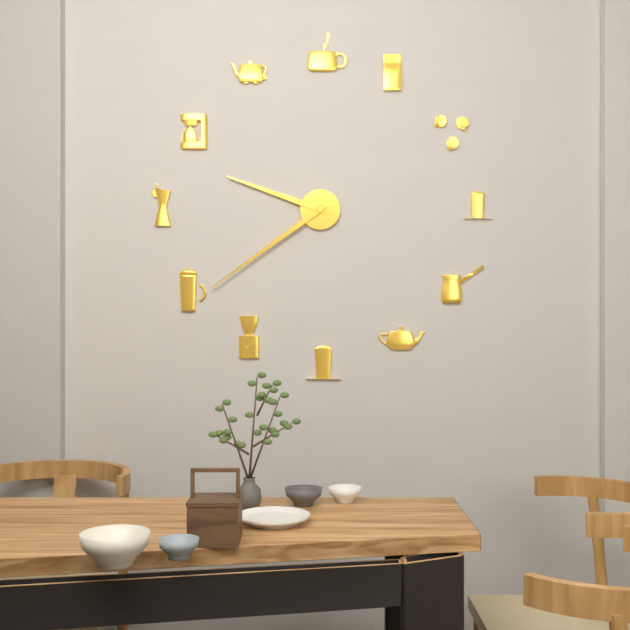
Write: 9,39
